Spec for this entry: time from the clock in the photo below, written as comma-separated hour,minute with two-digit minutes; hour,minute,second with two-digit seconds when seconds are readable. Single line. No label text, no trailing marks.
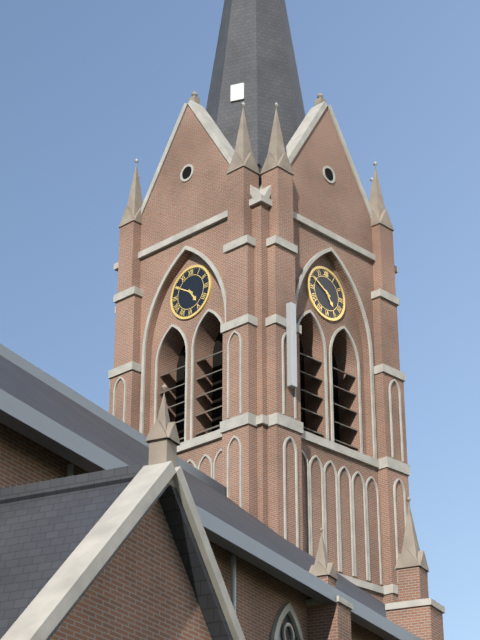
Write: 4,50
